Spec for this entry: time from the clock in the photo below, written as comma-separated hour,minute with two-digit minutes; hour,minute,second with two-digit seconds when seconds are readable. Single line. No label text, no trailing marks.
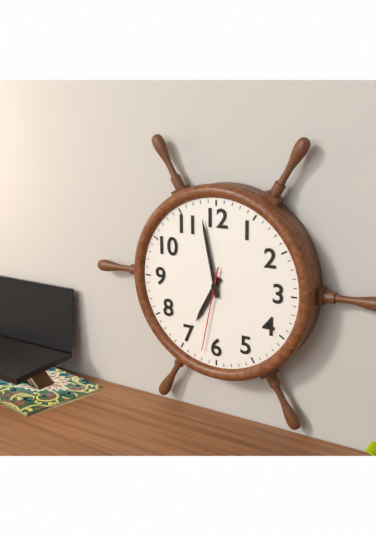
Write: 6,58,32
